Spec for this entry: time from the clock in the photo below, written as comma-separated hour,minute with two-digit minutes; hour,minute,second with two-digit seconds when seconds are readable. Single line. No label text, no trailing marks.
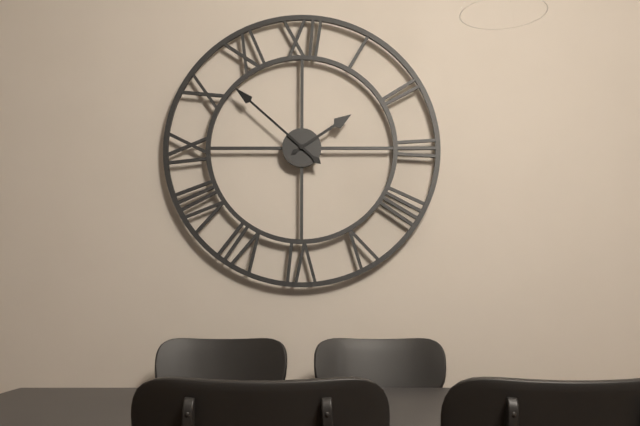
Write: 1,52
